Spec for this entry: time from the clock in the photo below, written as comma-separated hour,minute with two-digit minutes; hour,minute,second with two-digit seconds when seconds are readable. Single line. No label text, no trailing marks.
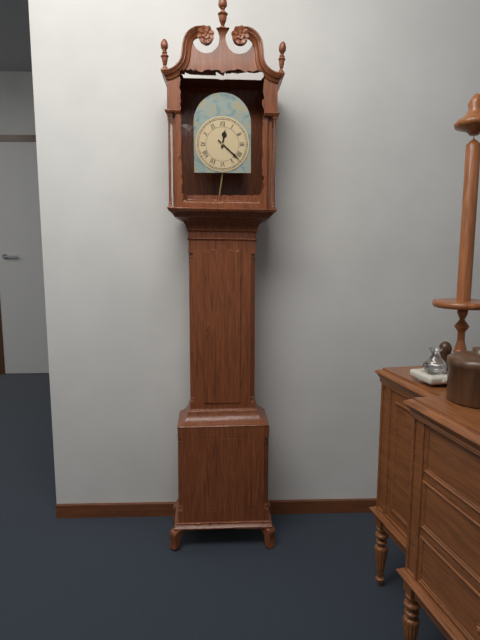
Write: 12,22
